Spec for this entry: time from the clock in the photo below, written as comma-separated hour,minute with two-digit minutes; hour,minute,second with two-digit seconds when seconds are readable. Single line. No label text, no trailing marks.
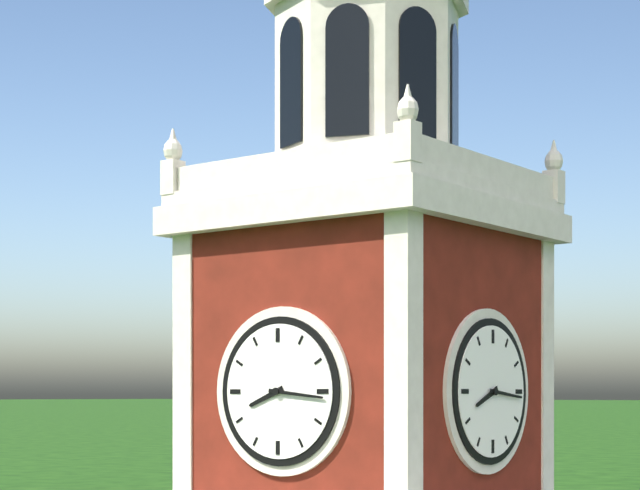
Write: 8,16
